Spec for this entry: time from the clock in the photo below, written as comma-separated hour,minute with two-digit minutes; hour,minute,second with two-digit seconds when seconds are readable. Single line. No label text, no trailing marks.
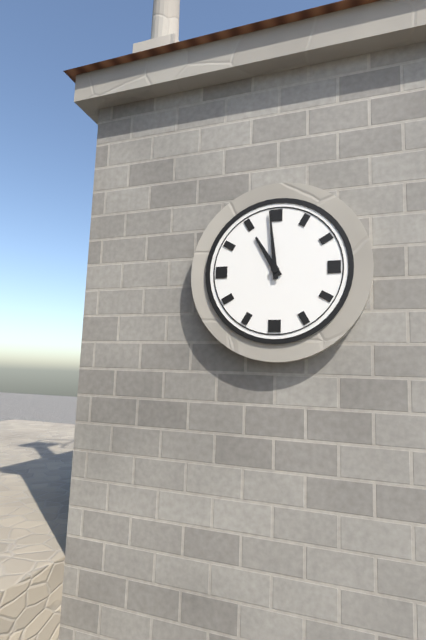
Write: 10,59
